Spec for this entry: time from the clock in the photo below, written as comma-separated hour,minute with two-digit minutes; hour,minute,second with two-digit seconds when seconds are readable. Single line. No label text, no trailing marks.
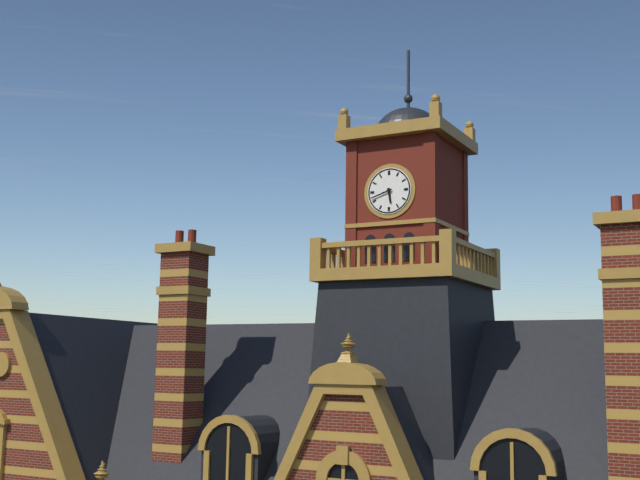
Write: 5,42
